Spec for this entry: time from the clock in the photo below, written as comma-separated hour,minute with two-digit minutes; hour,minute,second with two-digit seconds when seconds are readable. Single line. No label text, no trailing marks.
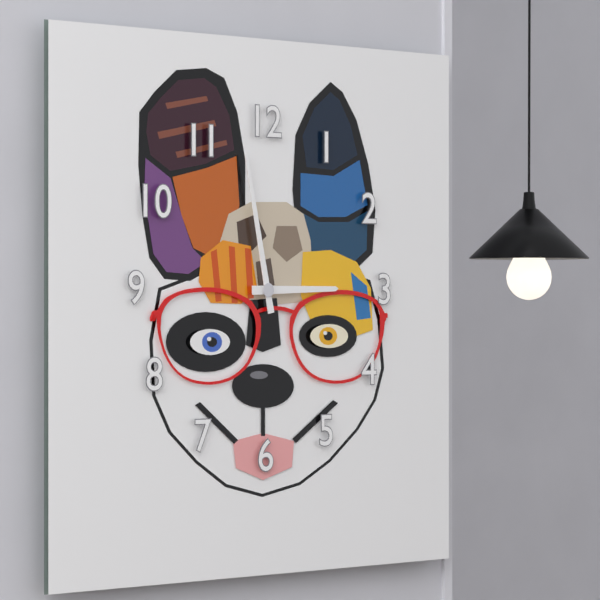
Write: 2,58
